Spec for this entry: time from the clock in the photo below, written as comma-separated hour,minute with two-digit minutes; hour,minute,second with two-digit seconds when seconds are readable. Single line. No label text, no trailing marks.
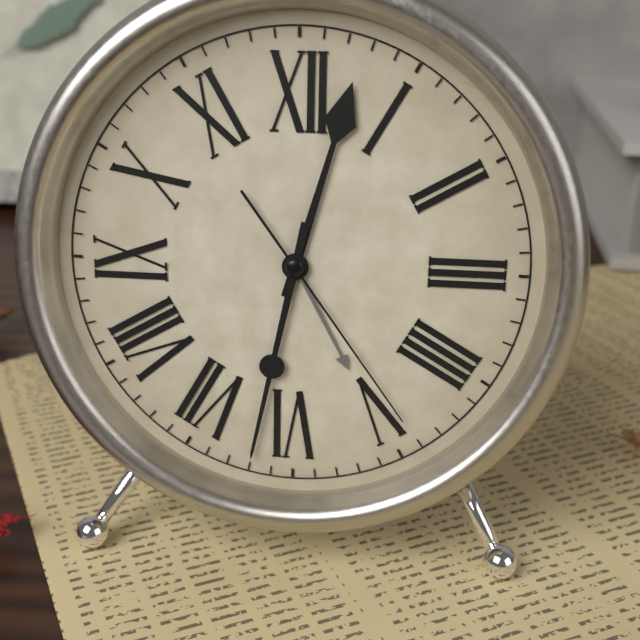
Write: 12,32,24
